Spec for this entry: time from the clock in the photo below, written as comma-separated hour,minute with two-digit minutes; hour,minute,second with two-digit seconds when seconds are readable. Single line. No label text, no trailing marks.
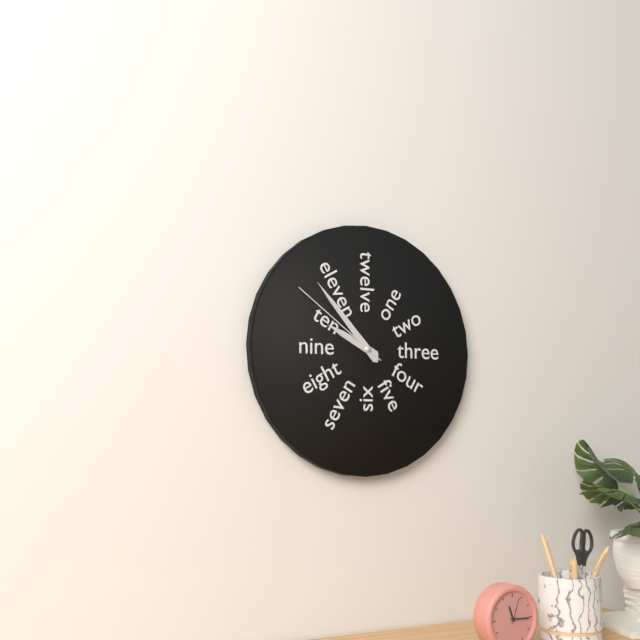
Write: 9,53,51
